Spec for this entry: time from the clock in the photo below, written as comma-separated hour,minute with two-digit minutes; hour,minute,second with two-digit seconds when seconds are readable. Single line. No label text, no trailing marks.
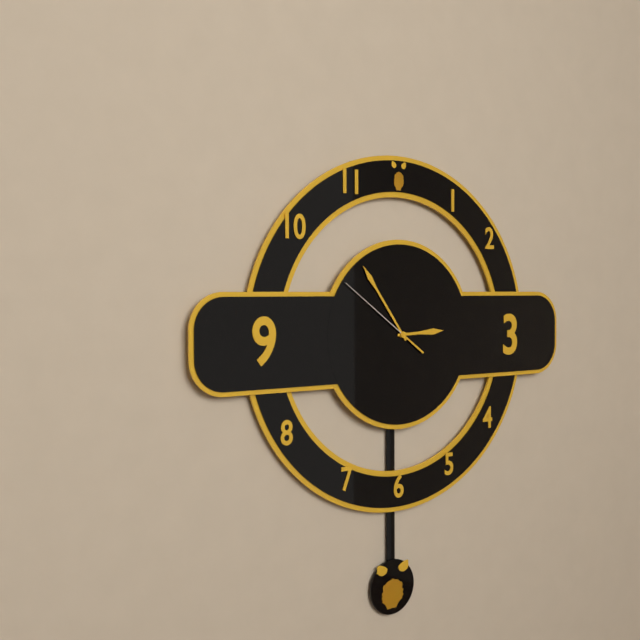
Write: 2,54,51
